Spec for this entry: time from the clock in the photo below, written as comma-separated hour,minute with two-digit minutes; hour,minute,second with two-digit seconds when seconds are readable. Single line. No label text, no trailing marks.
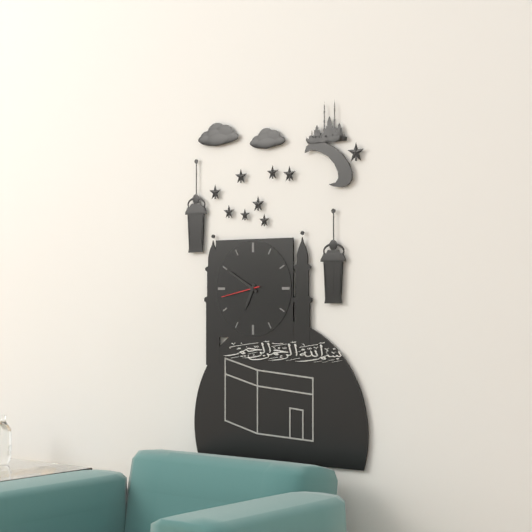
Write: 6,50
